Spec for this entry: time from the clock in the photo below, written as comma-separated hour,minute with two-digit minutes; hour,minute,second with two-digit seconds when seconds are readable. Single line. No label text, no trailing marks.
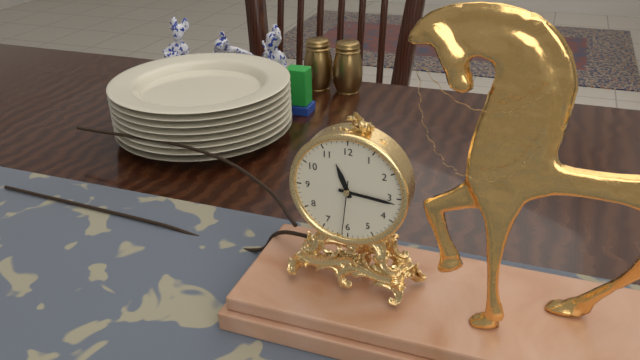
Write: 11,16,31
